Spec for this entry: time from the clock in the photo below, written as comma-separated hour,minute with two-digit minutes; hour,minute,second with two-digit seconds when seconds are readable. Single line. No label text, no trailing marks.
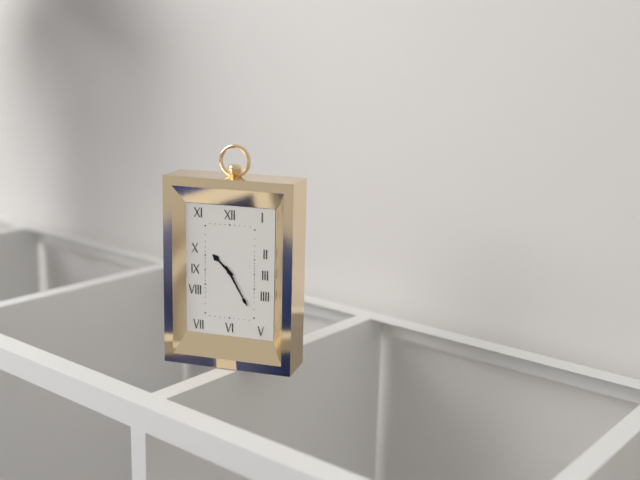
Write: 10,25
